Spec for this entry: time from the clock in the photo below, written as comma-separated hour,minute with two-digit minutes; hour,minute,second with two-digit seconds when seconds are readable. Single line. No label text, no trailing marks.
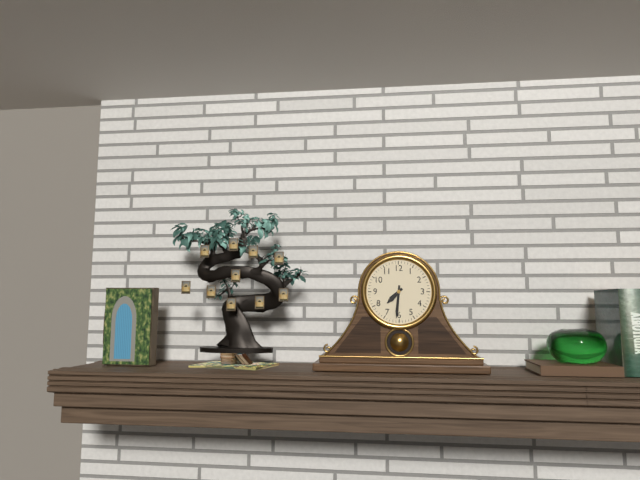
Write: 7,31
